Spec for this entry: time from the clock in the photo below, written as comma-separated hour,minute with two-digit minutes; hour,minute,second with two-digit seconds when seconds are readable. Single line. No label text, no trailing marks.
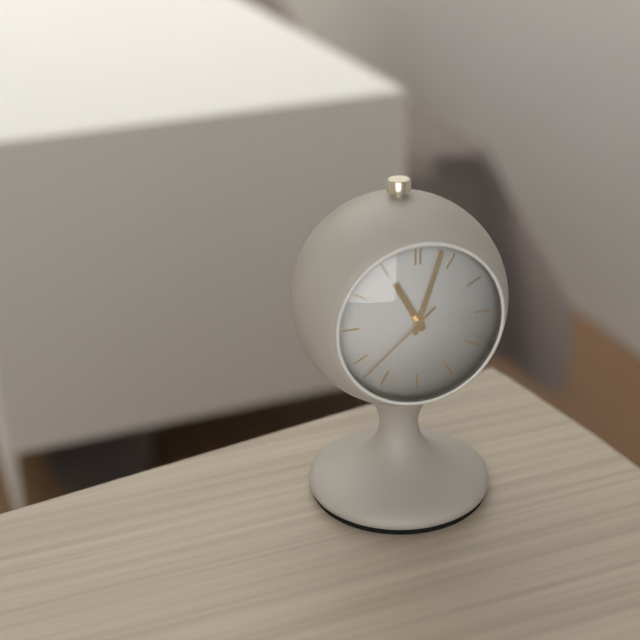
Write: 11,03,38
